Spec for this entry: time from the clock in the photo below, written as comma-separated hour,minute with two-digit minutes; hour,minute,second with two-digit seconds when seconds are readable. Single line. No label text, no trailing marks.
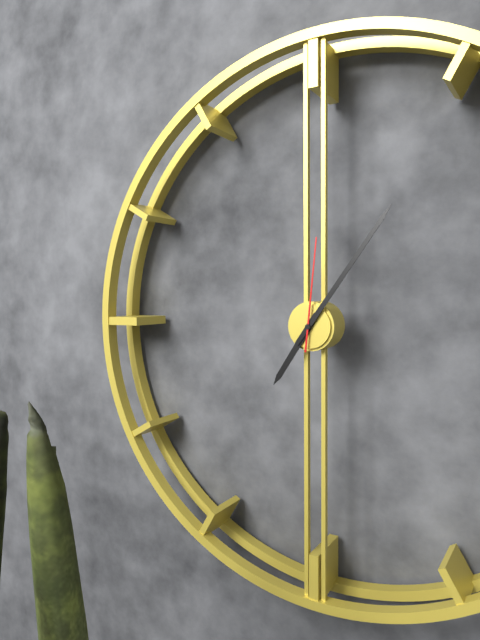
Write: 7,06,01
